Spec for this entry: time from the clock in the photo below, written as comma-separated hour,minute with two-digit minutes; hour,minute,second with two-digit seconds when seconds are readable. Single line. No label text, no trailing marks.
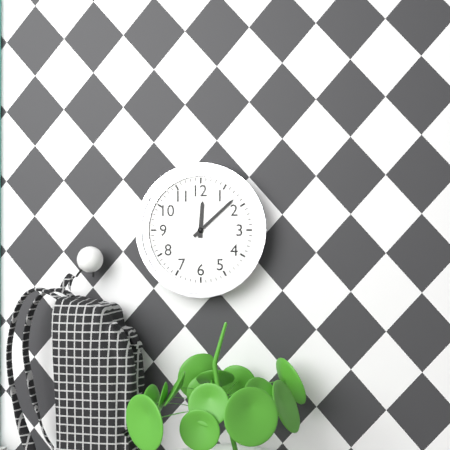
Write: 12,08
